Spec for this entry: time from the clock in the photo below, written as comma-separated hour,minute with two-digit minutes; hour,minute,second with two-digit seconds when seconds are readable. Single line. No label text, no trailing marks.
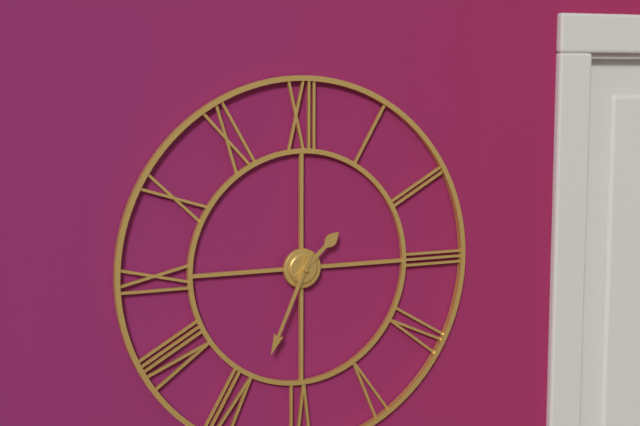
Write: 1,34
